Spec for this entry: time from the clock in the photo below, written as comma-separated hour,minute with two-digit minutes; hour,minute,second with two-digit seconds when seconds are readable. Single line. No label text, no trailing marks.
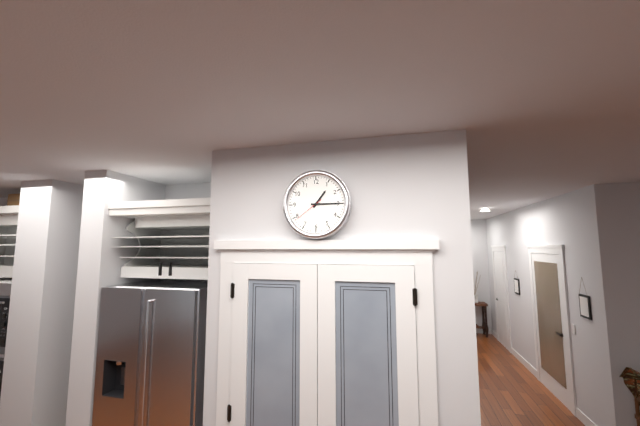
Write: 1,15
